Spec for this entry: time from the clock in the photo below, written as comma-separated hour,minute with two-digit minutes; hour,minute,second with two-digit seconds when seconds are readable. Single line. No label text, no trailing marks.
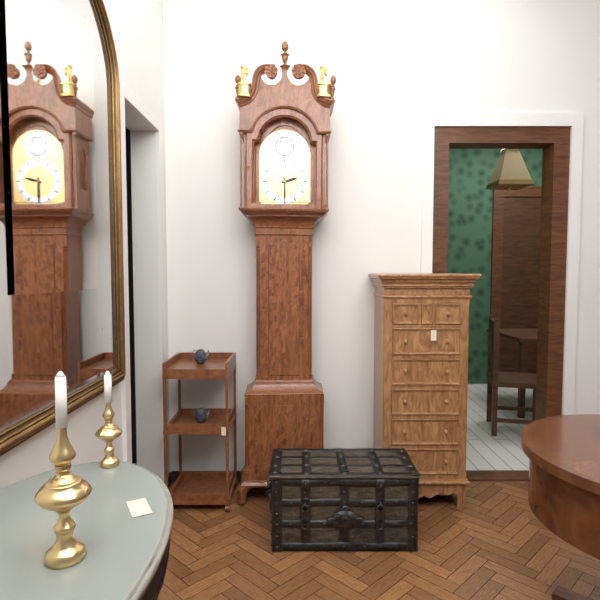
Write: 2,30
